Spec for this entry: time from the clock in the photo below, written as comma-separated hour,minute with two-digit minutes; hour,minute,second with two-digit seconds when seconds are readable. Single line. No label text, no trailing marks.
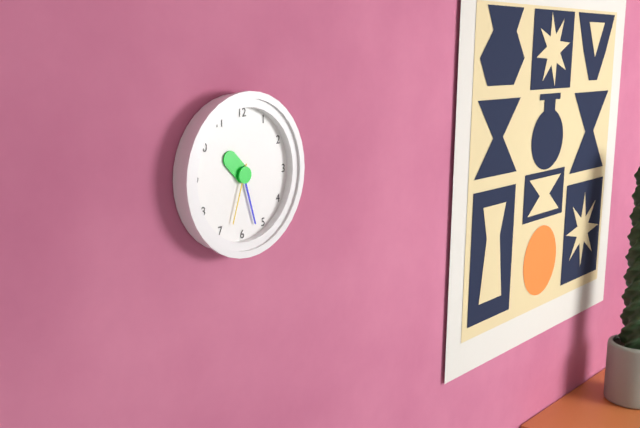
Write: 10,27,33
